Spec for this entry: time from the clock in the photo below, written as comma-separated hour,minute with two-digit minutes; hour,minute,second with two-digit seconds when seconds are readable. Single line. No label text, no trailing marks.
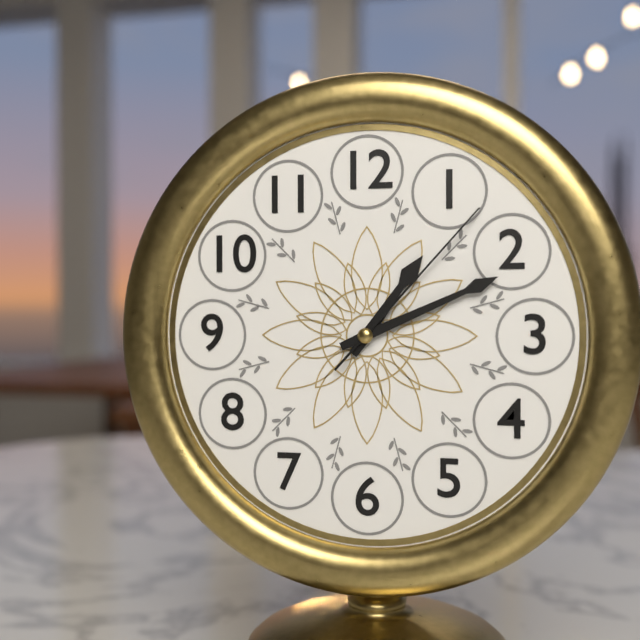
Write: 1,11,07
